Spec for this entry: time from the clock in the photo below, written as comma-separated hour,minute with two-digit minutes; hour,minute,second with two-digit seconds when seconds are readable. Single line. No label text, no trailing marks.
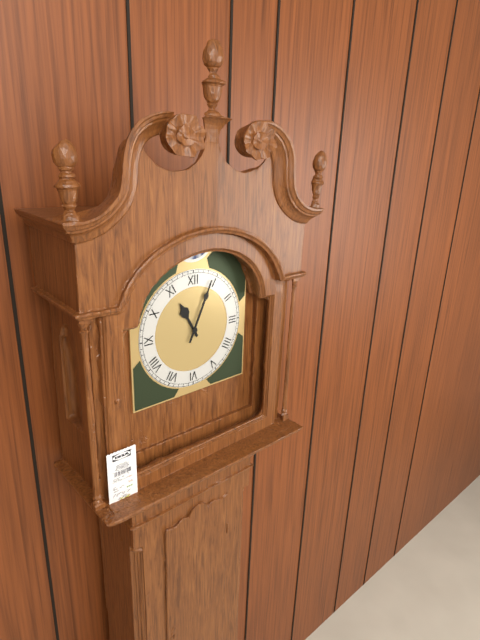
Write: 11,04
